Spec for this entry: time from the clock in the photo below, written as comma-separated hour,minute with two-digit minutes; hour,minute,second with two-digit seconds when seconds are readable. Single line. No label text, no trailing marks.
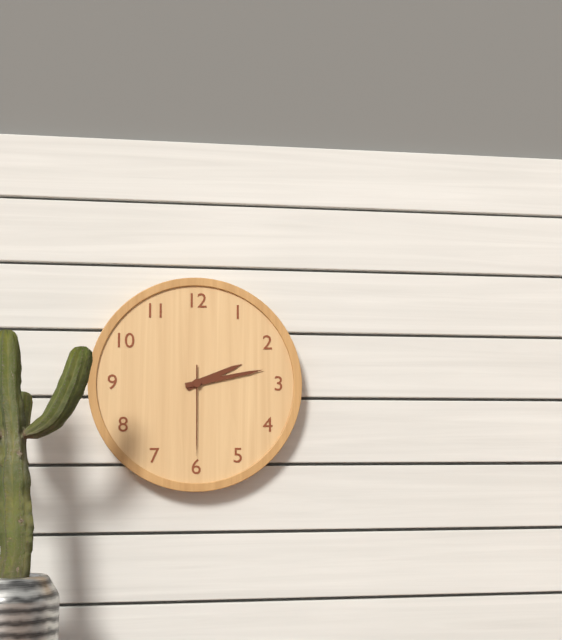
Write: 2,13,30
